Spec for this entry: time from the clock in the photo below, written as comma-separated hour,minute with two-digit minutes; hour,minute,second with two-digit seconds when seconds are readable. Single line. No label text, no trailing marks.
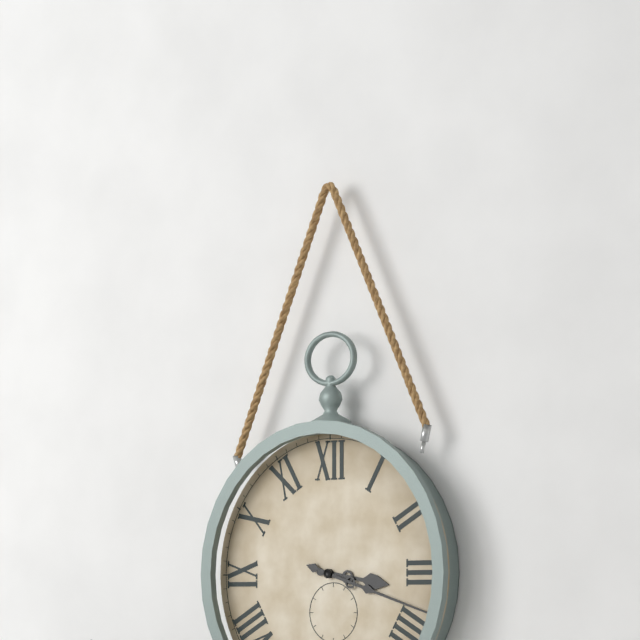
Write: 3,18
